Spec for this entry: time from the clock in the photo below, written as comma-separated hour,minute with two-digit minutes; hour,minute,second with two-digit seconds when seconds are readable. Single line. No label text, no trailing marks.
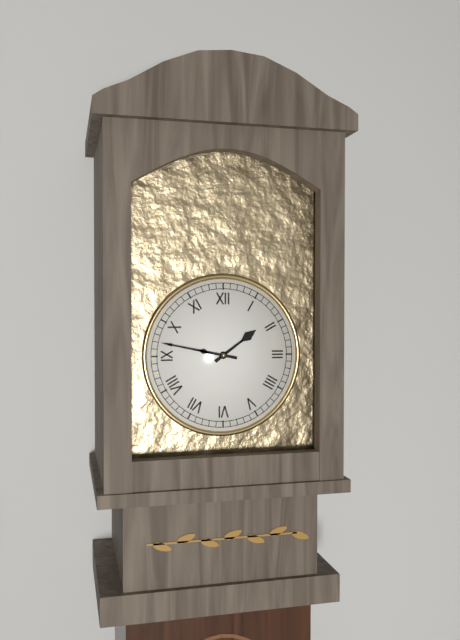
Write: 1,47
